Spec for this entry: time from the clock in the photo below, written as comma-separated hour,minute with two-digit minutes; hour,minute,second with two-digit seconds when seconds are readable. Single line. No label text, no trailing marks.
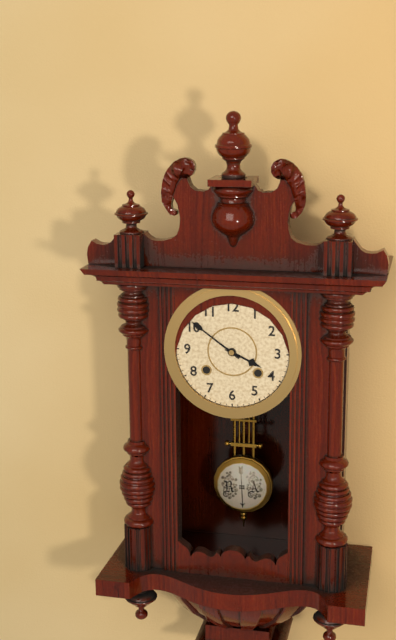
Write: 3,51
